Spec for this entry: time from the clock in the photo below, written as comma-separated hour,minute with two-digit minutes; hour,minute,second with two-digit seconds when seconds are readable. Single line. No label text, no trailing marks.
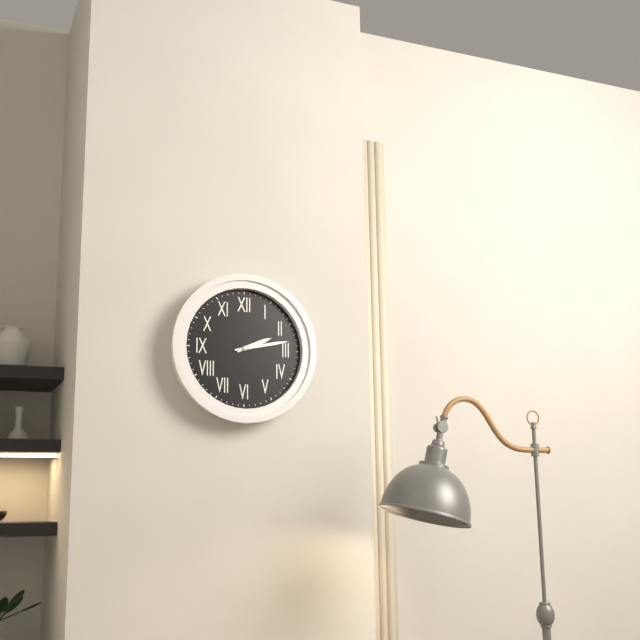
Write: 2,13
